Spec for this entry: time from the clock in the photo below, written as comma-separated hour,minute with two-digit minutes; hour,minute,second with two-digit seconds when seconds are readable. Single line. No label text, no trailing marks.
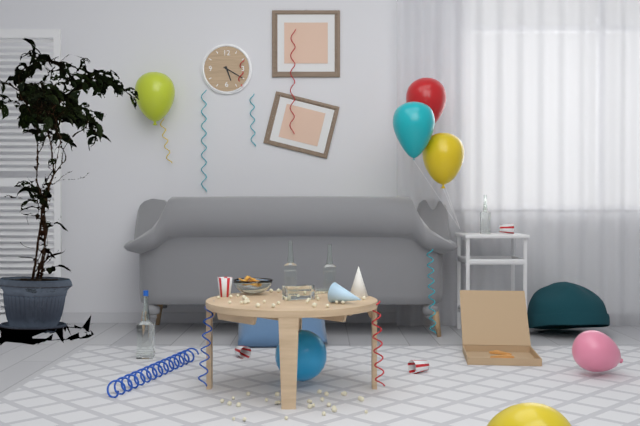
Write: 5,20
